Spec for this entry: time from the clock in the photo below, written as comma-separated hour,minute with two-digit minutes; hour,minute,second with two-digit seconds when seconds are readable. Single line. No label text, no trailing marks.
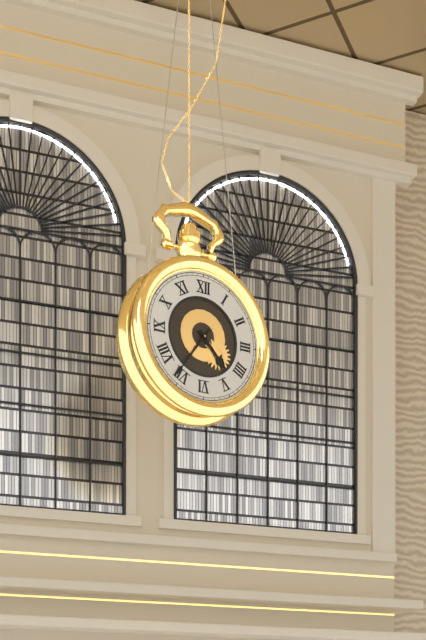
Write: 4,36
